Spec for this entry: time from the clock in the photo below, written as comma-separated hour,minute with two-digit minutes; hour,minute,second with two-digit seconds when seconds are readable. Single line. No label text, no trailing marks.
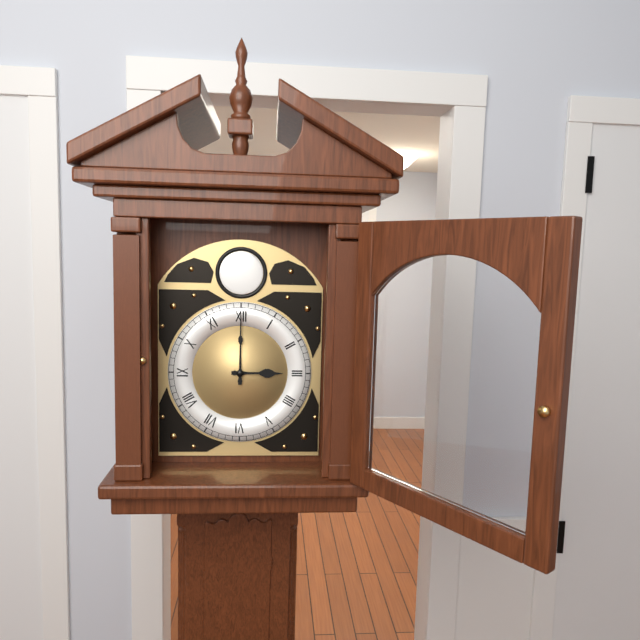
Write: 3,00
